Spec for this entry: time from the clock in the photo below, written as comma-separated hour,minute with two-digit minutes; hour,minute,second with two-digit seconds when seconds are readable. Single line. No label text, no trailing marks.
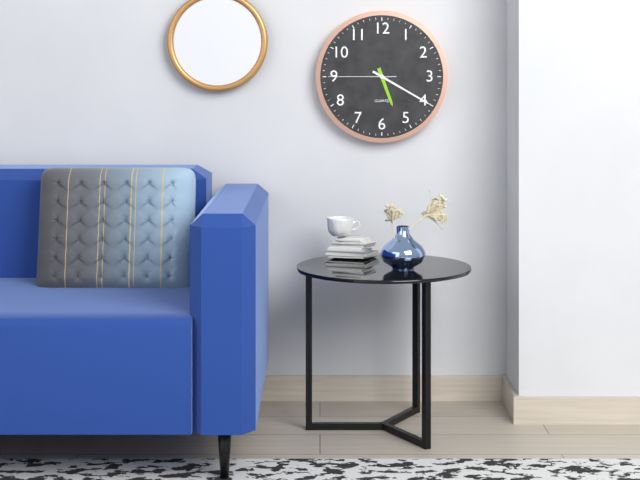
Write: 5,20,45
